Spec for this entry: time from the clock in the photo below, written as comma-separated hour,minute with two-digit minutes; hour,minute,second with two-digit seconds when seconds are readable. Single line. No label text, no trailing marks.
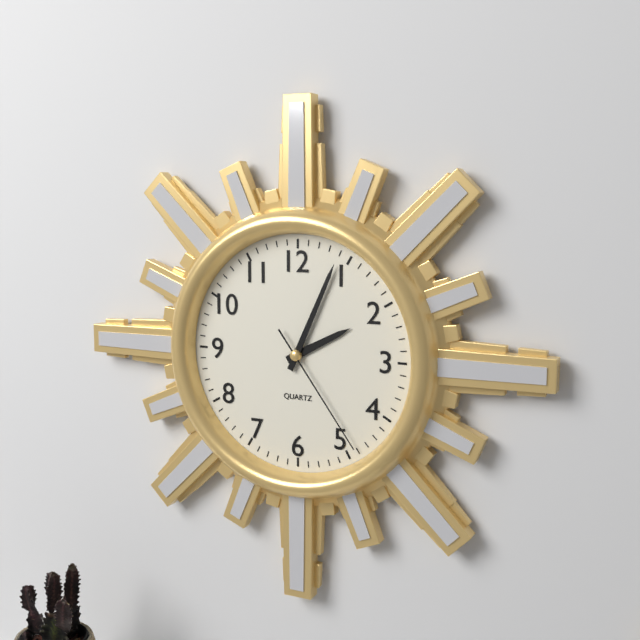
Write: 2,04,24
